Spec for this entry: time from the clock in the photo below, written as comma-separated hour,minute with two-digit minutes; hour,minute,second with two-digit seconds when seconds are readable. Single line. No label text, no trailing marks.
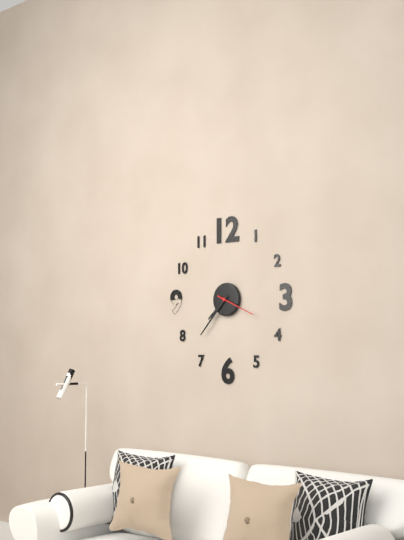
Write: 7,37
